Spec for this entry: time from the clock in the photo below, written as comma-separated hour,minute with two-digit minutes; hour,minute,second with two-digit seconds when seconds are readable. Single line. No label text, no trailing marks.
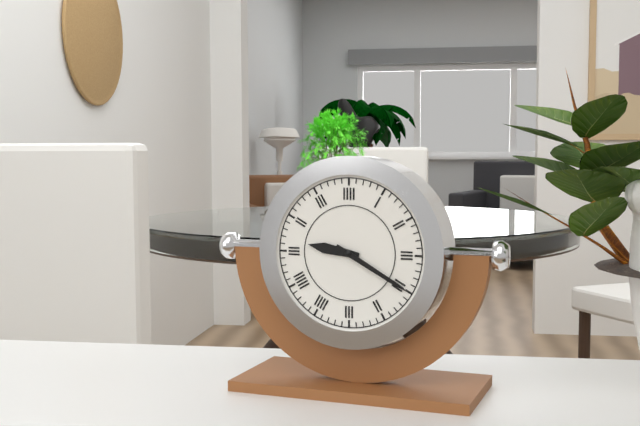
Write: 9,20
